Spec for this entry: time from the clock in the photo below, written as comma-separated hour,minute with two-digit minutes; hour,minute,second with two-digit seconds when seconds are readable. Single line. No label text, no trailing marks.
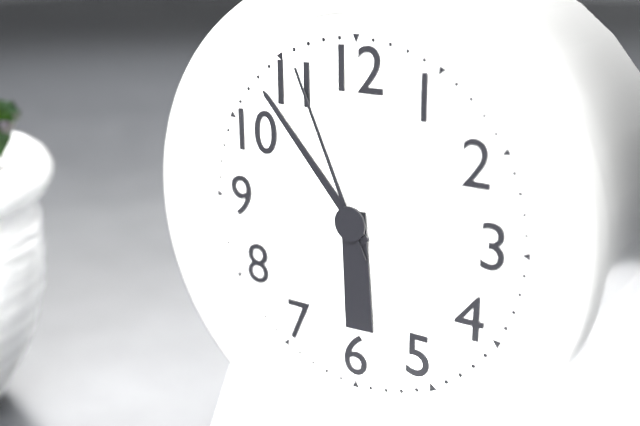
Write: 5,53,56
